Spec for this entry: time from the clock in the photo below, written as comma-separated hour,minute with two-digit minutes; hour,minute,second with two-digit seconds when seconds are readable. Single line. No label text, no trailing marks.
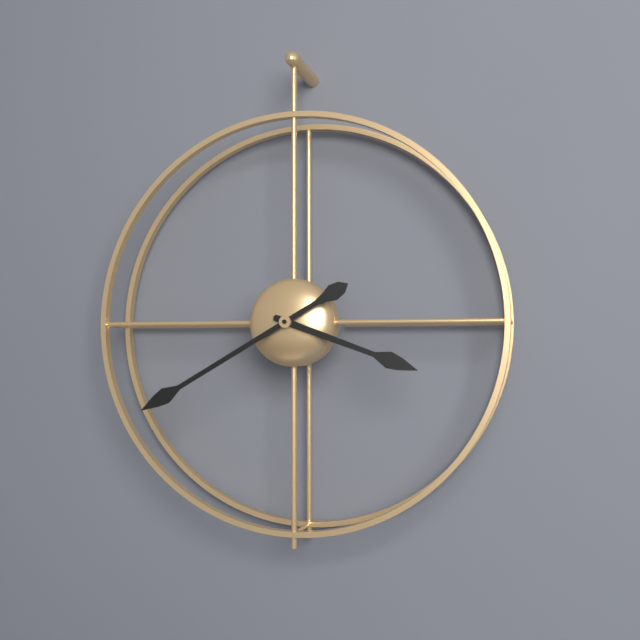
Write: 3,40
